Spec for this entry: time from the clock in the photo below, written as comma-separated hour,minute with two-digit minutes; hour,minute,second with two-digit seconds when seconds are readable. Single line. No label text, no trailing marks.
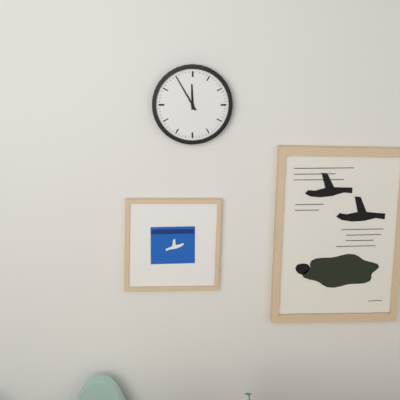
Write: 11,55
